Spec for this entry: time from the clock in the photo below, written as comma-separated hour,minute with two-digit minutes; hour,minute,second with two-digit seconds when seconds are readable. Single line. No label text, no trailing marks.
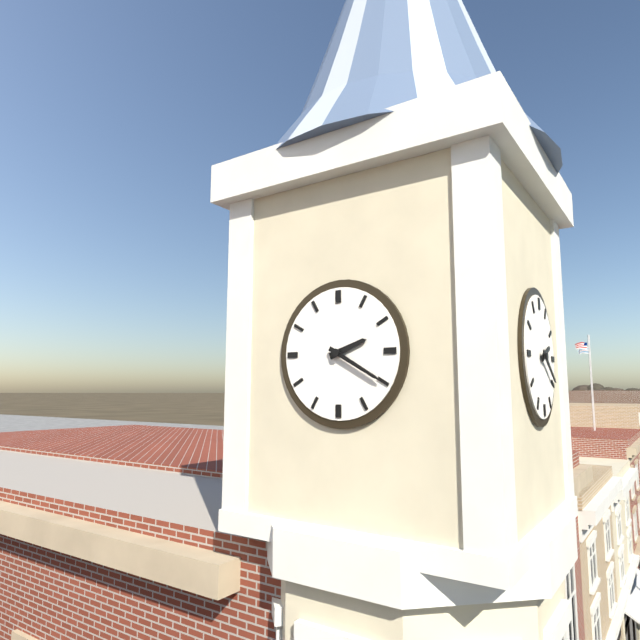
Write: 2,20
